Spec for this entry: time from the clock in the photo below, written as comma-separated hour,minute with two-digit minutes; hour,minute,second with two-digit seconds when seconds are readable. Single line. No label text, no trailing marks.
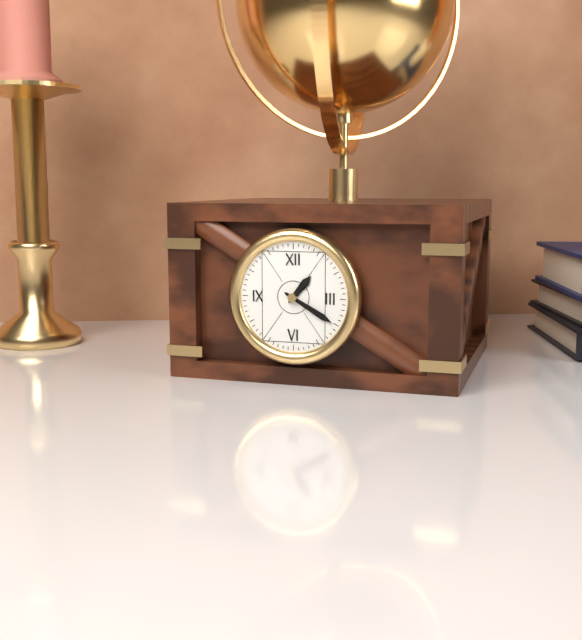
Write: 1,20
